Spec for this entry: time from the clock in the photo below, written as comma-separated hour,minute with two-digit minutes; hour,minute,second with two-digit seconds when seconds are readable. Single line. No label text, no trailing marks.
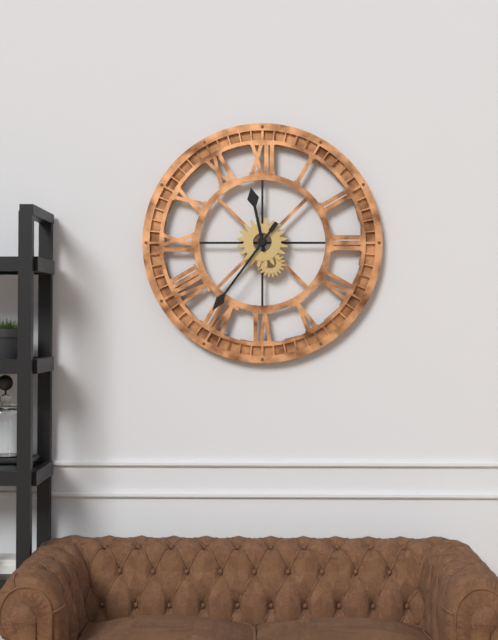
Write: 11,36
